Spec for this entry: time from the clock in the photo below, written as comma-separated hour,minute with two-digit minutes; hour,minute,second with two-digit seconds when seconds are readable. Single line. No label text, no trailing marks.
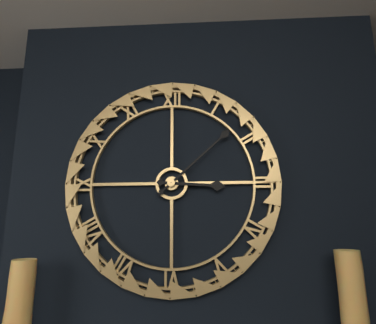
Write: 3,08
